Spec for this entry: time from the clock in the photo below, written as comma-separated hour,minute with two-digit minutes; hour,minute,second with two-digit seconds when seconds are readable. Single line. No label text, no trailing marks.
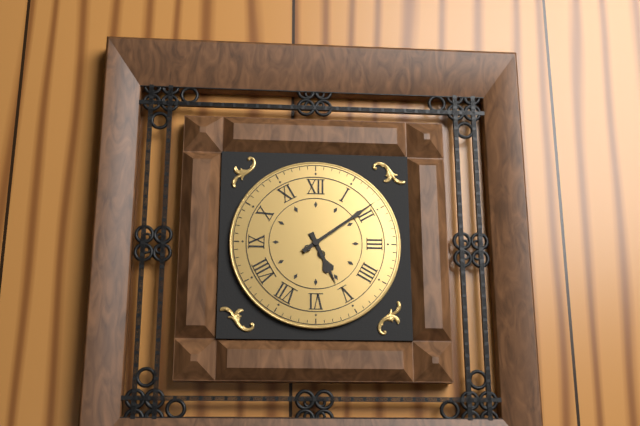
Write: 5,09
